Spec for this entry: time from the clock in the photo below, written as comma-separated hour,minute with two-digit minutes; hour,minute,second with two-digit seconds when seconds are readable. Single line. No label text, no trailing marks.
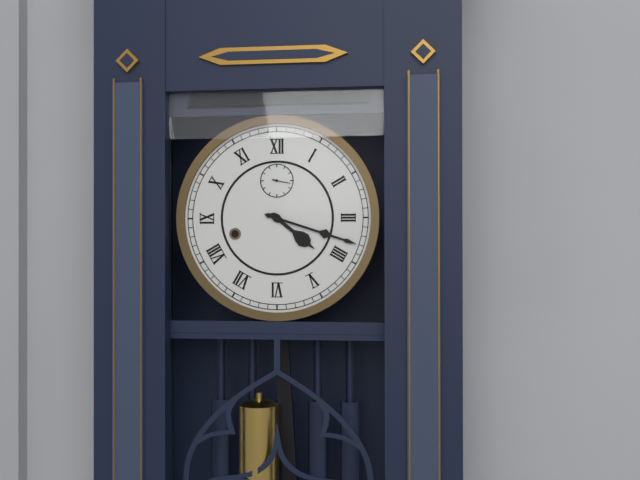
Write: 4,18
